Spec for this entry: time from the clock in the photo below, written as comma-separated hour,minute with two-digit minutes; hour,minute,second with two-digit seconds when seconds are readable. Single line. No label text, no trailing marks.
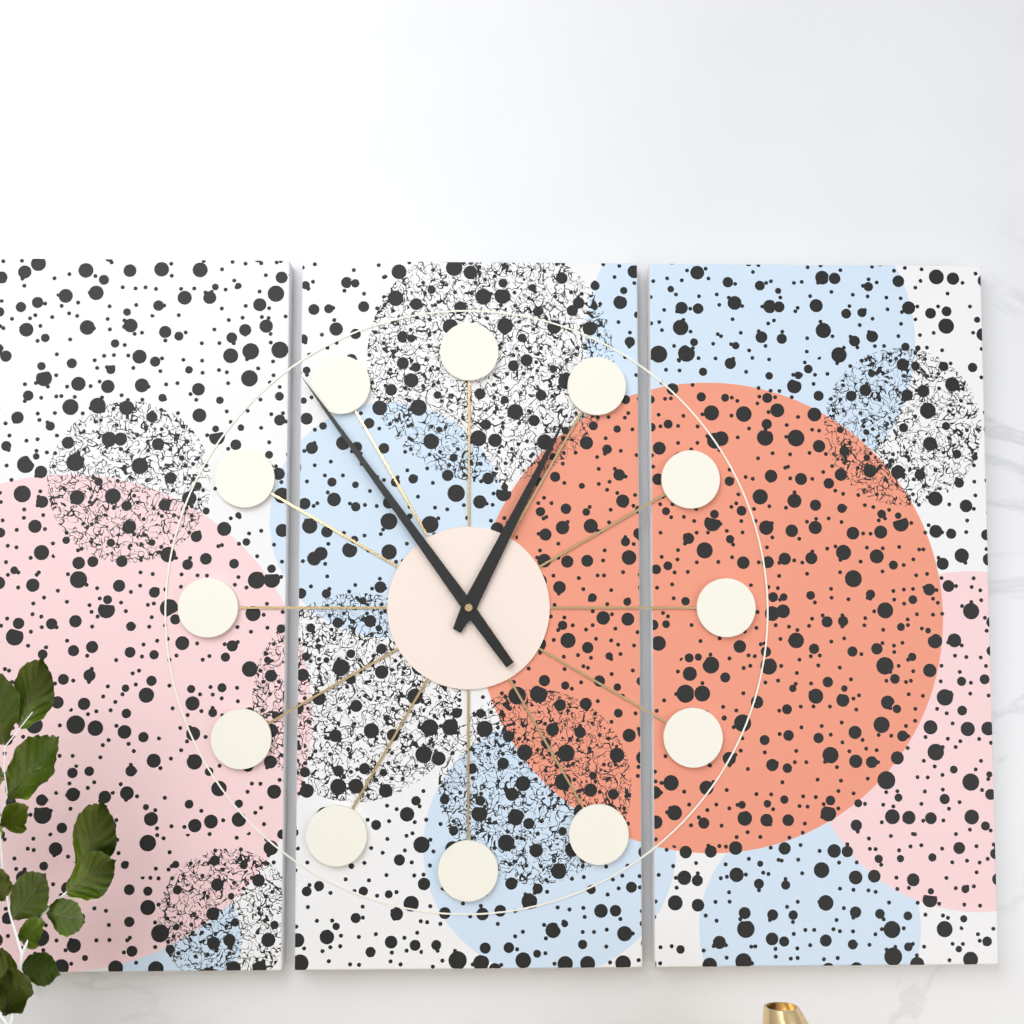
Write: 12,54
